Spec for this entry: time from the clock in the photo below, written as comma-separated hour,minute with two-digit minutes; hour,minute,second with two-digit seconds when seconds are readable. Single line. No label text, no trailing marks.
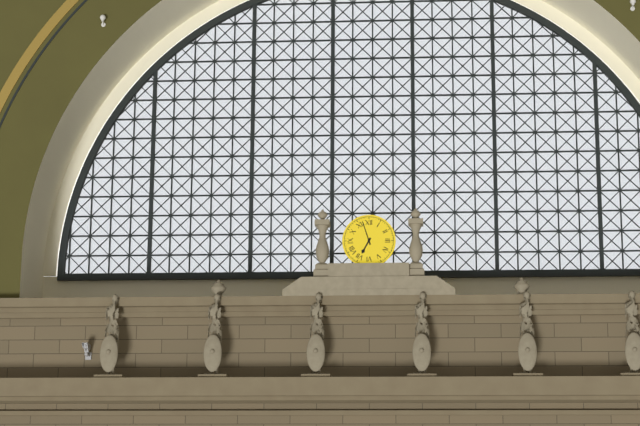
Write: 6,57
